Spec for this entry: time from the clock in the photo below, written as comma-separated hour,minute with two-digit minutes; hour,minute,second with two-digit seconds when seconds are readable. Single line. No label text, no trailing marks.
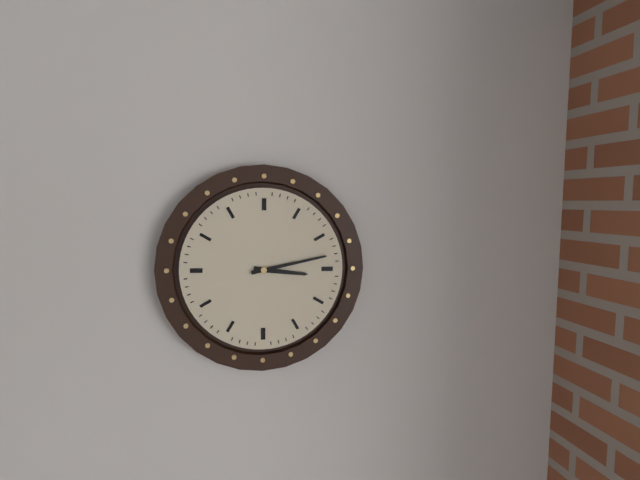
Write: 3,13
